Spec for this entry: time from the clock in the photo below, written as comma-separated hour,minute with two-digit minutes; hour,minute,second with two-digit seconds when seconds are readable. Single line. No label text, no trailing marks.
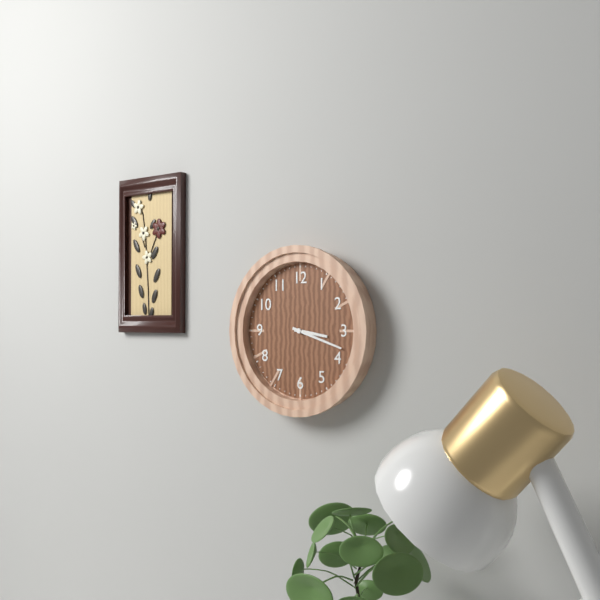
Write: 3,18
